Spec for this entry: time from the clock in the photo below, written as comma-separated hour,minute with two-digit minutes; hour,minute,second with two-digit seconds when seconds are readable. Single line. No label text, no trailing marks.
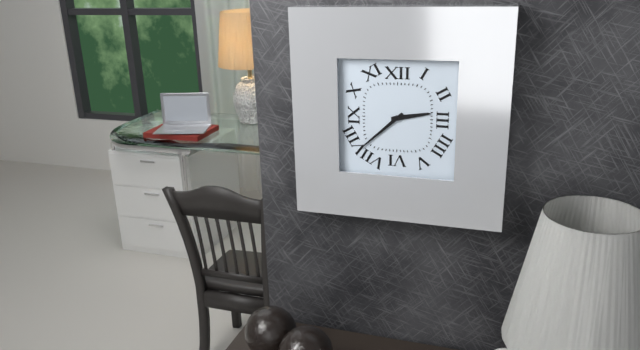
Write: 2,38
